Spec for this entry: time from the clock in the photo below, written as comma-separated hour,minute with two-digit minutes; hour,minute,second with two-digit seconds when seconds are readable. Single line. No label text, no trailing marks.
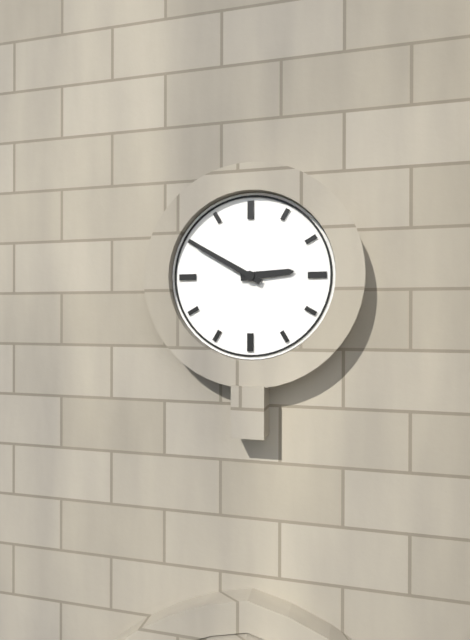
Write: 2,50
